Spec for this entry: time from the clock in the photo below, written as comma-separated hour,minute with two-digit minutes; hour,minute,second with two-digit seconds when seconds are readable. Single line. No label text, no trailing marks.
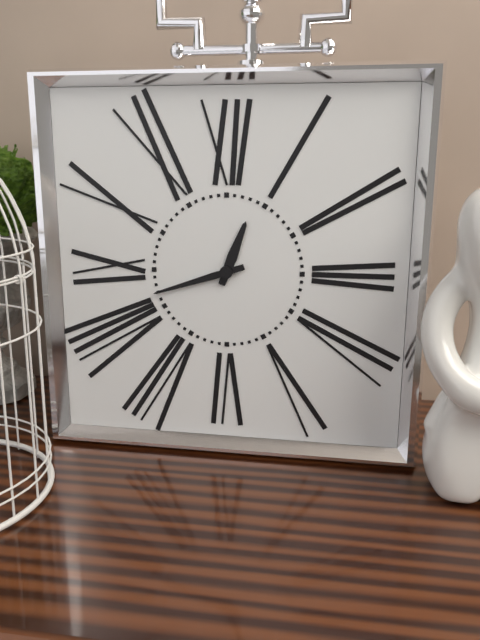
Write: 12,42
